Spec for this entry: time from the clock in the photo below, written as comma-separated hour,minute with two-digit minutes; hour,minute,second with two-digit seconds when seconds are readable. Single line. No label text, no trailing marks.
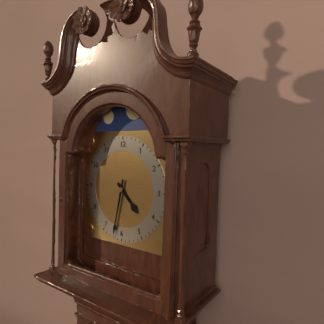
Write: 4,32
